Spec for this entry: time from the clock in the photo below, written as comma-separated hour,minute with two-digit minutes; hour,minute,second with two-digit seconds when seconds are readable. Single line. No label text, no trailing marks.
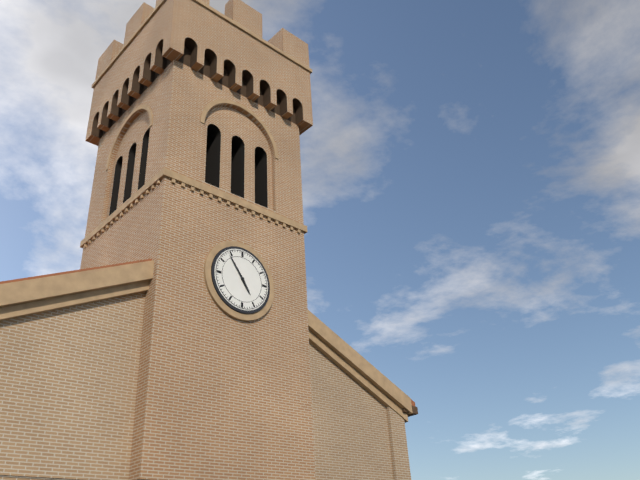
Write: 4,54
